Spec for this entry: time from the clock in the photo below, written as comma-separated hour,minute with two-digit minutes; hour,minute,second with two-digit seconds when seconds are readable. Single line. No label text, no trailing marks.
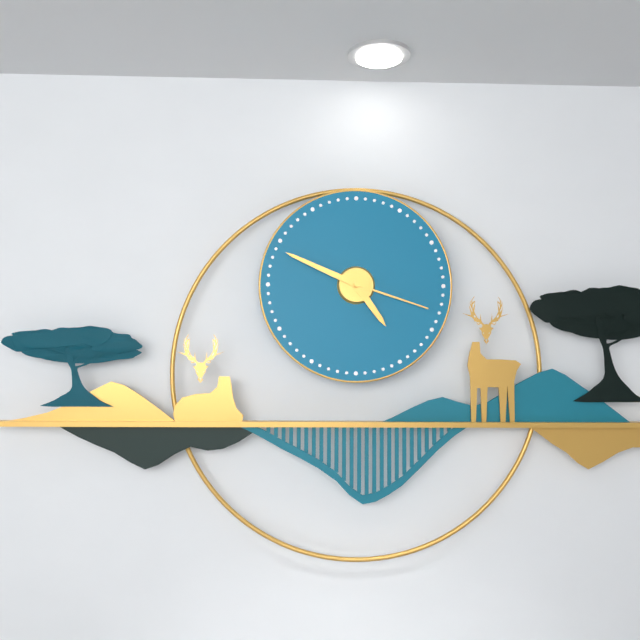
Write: 4,49,18
